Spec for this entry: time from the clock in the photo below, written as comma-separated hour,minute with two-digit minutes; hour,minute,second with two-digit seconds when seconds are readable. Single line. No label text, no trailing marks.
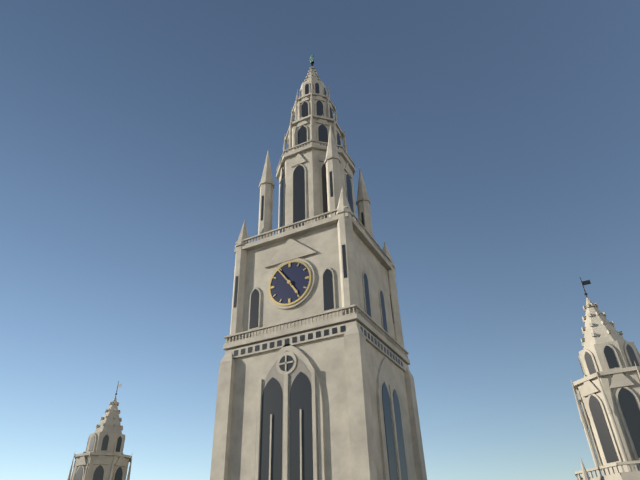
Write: 4,54
